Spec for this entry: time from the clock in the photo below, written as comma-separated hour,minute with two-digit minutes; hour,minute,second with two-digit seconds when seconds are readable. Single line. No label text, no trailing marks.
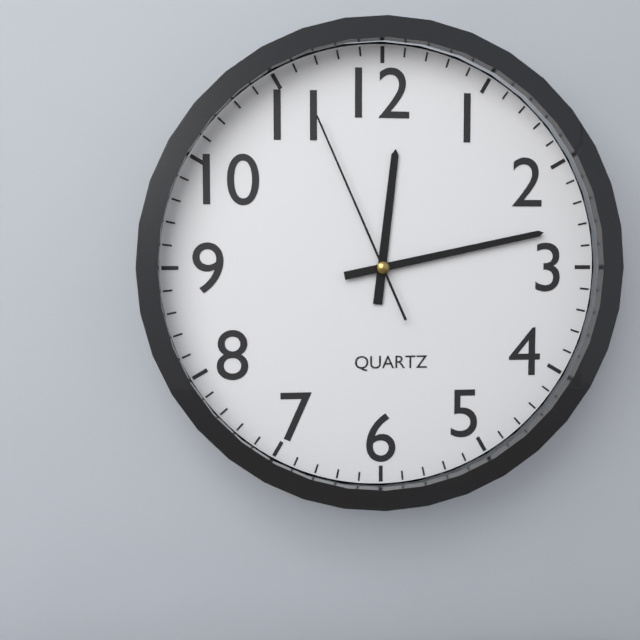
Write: 12,13,56
